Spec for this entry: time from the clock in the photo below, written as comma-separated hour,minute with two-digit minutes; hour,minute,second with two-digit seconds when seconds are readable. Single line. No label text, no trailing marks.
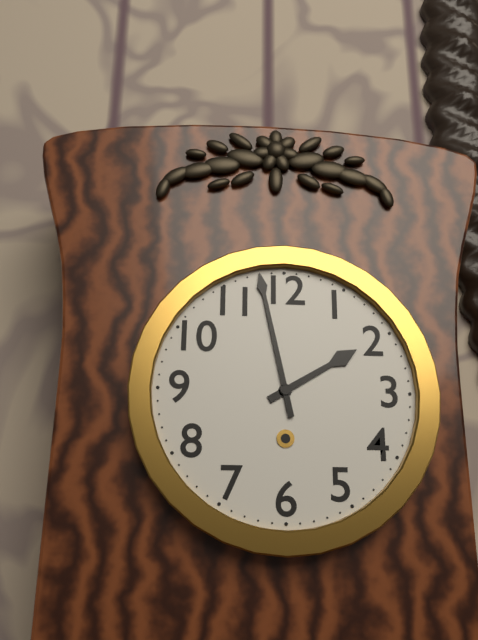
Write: 1,58
